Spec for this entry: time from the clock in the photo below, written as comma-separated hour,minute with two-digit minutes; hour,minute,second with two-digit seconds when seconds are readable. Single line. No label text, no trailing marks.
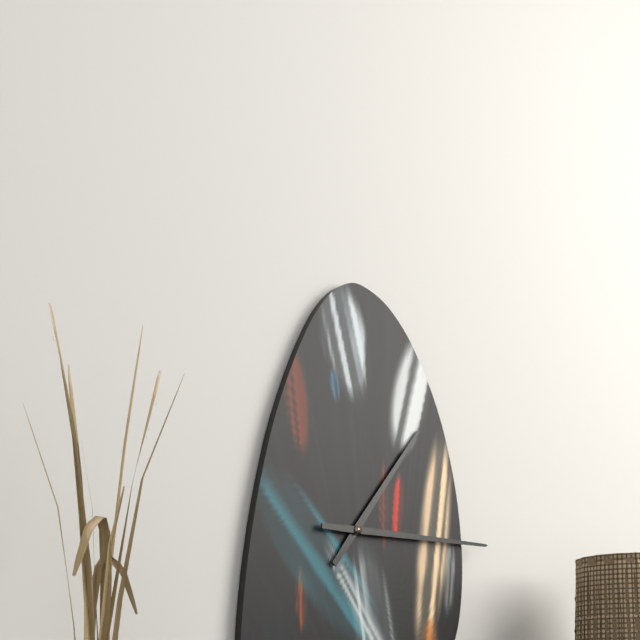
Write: 1,15
